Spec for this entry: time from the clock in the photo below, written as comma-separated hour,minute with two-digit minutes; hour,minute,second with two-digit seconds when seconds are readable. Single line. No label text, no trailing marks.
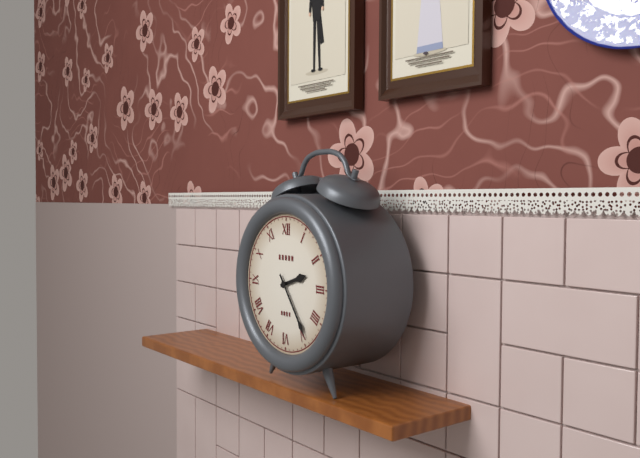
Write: 2,24
